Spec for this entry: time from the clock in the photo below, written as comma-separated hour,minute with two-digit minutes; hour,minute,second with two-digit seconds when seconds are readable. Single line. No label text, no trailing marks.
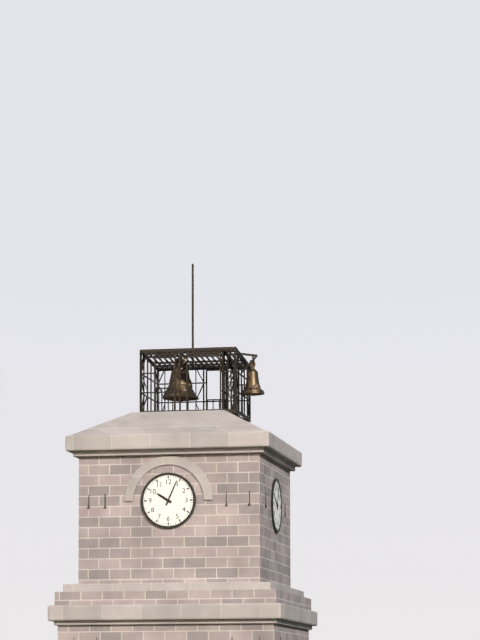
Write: 10,04
